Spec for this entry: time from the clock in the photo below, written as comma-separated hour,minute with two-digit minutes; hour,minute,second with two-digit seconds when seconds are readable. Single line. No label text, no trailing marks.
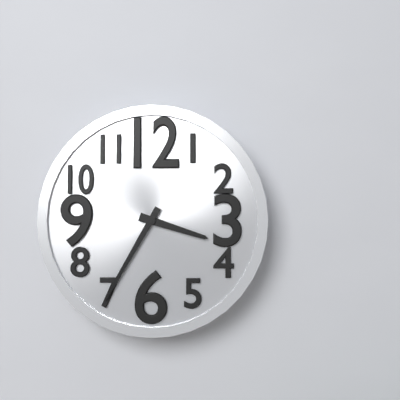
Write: 3,35
